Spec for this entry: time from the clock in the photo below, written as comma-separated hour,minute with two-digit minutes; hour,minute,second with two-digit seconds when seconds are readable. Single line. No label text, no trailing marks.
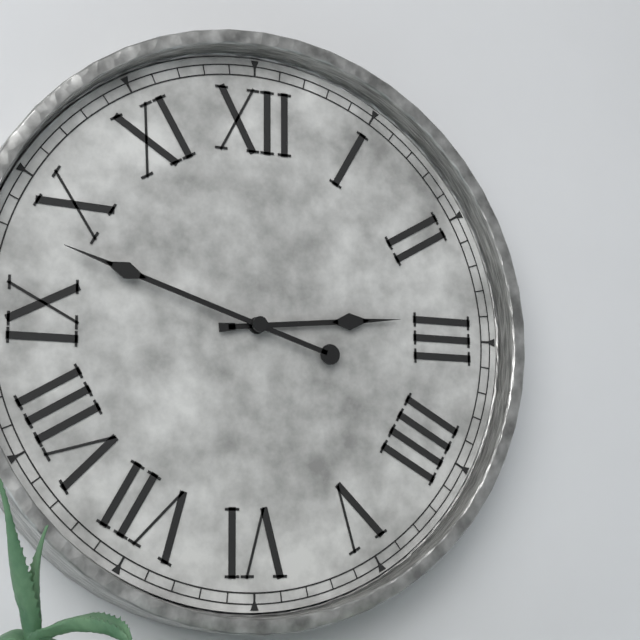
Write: 2,48
